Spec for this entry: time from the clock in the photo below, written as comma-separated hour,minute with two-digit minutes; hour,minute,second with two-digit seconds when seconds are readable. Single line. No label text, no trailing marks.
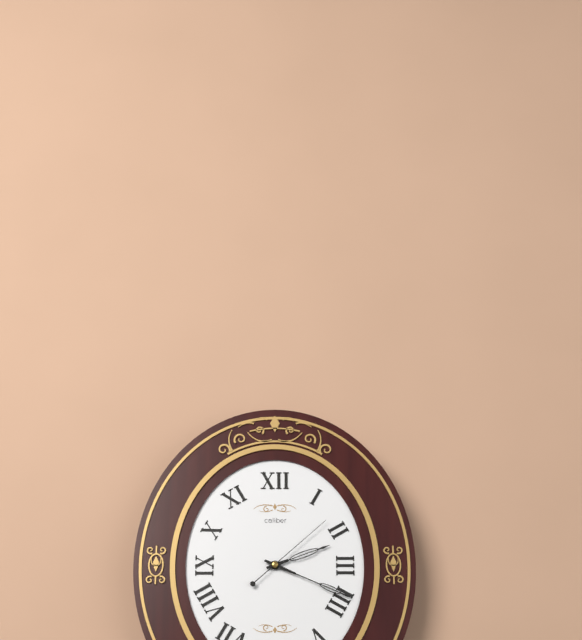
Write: 2,19,08
